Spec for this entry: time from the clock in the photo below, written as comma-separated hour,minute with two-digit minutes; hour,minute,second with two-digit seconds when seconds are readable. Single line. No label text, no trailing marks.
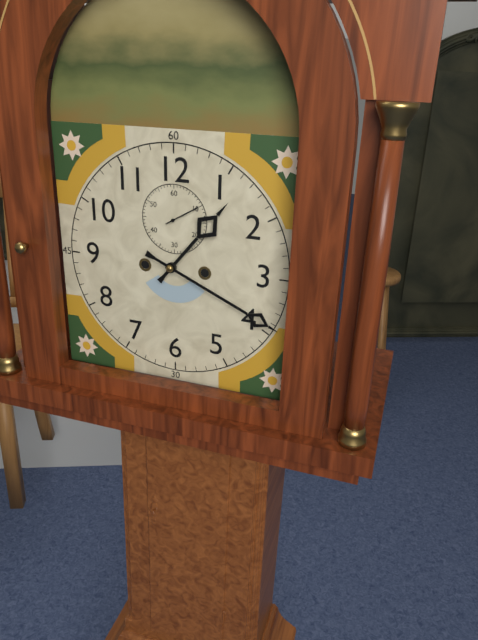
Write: 1,19
